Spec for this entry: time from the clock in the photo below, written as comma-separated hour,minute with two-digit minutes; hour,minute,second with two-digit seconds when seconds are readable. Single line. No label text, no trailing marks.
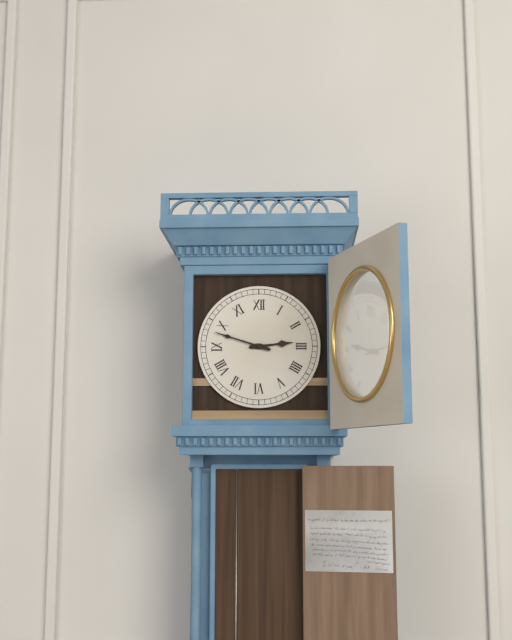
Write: 2,48
